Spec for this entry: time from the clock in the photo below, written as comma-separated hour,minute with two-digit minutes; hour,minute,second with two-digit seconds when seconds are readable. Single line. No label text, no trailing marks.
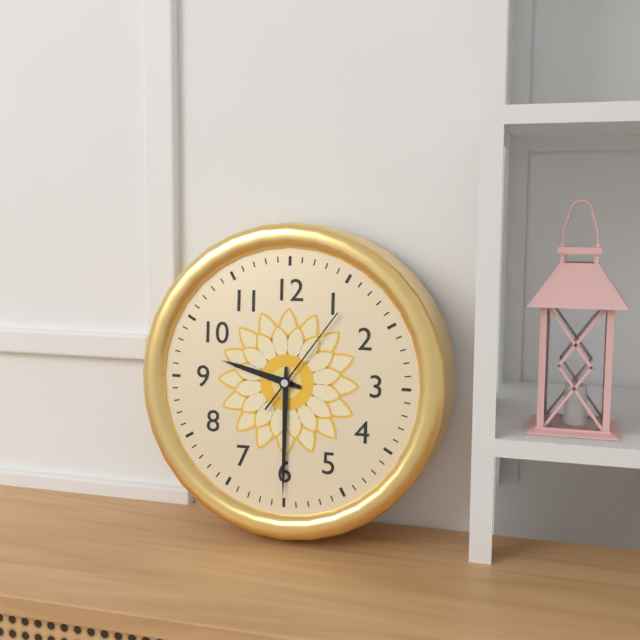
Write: 9,30,06
